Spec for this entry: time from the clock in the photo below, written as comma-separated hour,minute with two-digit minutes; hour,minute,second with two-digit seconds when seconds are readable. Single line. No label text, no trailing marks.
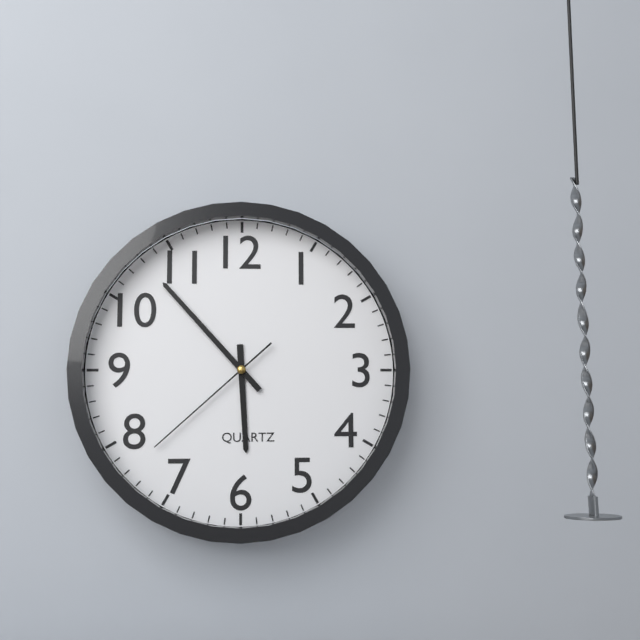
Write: 5,53,38
